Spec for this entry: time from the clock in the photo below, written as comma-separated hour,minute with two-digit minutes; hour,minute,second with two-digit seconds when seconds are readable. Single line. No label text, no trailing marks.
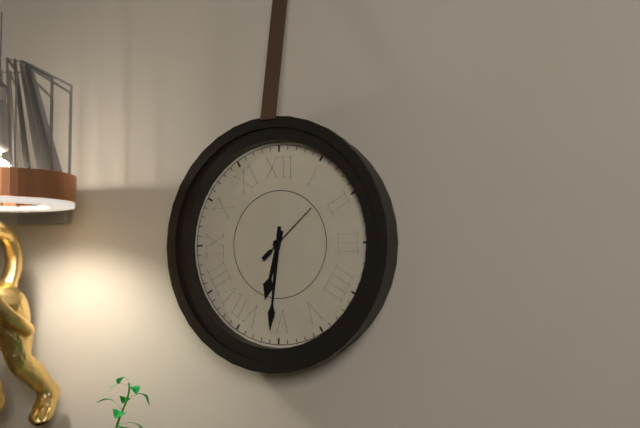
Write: 6,31,08
